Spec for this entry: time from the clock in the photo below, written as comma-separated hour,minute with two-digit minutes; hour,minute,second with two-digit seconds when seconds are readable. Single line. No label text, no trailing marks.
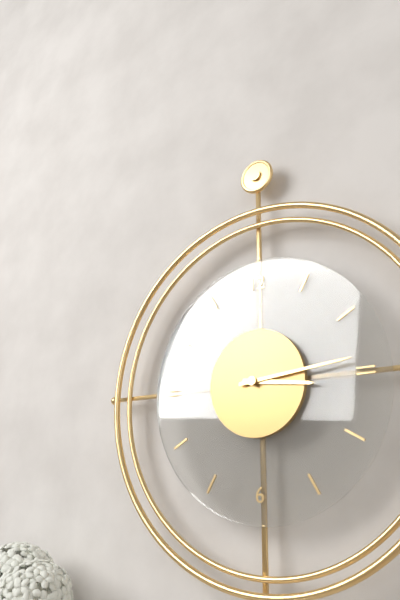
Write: 3,14
